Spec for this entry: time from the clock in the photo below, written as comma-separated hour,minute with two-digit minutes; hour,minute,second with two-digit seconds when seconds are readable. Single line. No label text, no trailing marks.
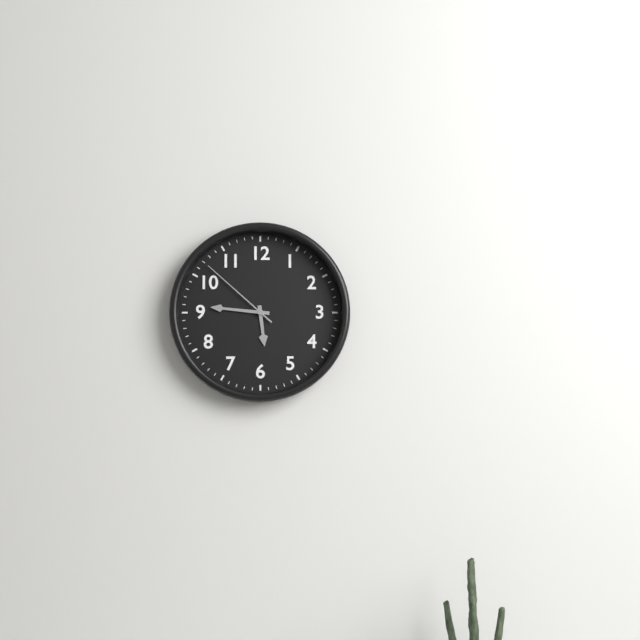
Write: 5,46,52
